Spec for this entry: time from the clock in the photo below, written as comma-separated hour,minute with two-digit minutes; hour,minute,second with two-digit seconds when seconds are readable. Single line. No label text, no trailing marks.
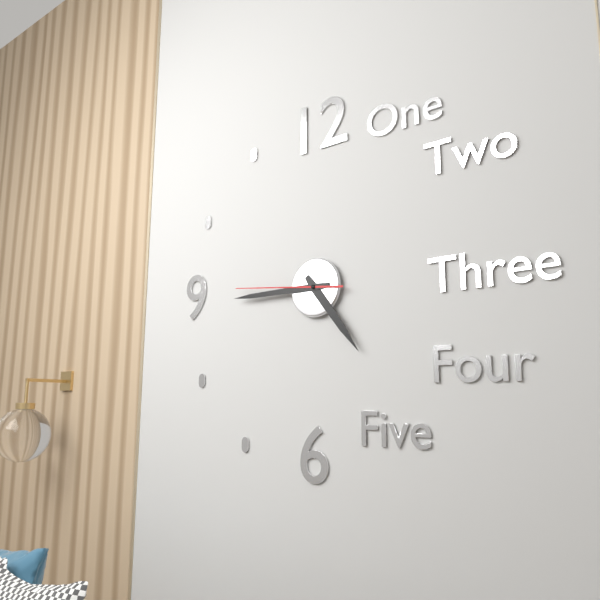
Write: 4,45,46
